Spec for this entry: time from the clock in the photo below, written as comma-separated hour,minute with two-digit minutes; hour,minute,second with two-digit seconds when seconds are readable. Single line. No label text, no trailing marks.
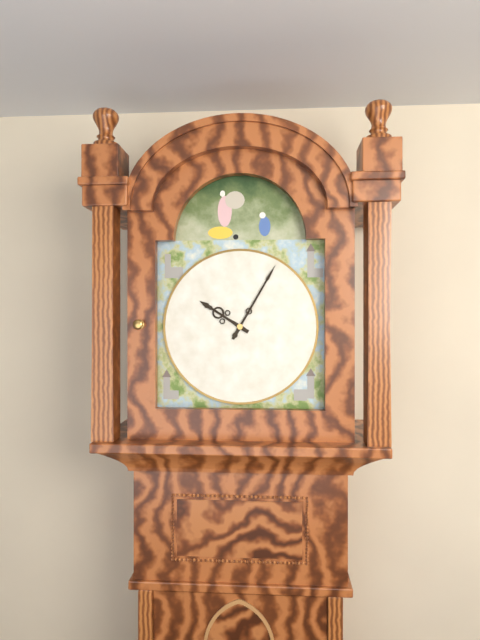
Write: 10,05
